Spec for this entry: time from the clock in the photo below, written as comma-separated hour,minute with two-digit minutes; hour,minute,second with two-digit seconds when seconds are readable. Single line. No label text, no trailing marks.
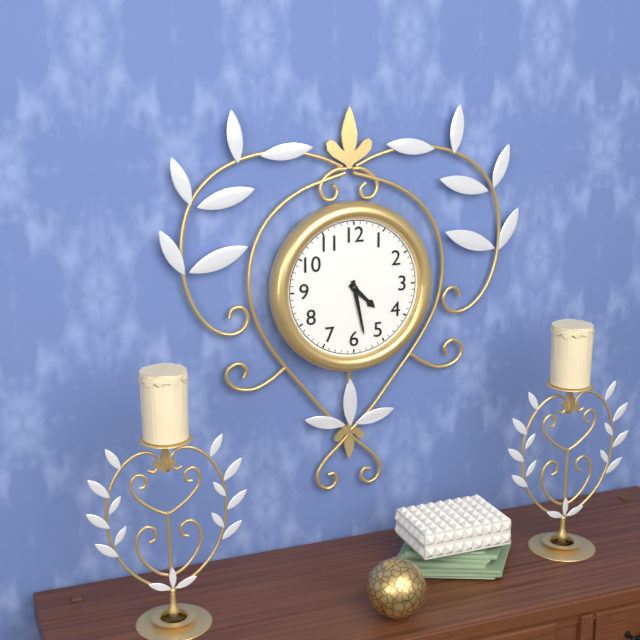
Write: 4,28
